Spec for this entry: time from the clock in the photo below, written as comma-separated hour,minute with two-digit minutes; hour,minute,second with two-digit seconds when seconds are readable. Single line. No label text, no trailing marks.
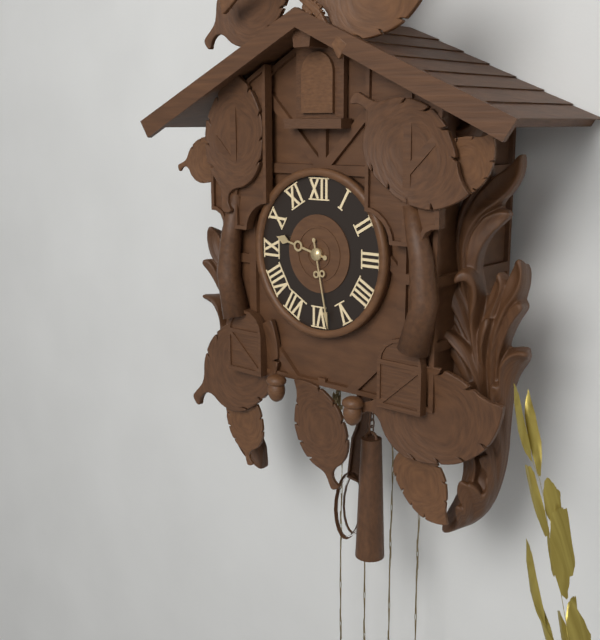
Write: 9,28
